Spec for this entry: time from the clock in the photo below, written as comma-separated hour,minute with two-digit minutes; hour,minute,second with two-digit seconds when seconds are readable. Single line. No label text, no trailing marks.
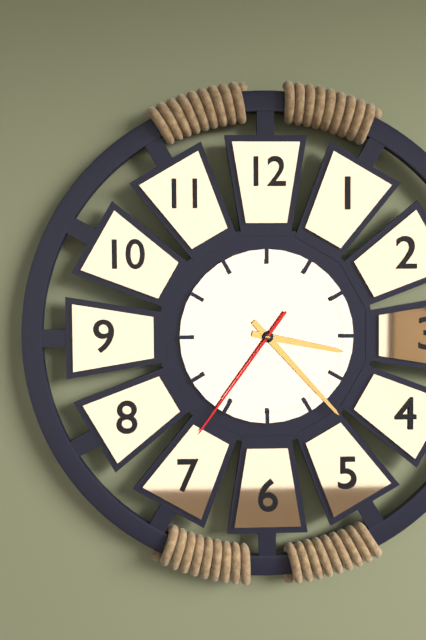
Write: 3,23,36
